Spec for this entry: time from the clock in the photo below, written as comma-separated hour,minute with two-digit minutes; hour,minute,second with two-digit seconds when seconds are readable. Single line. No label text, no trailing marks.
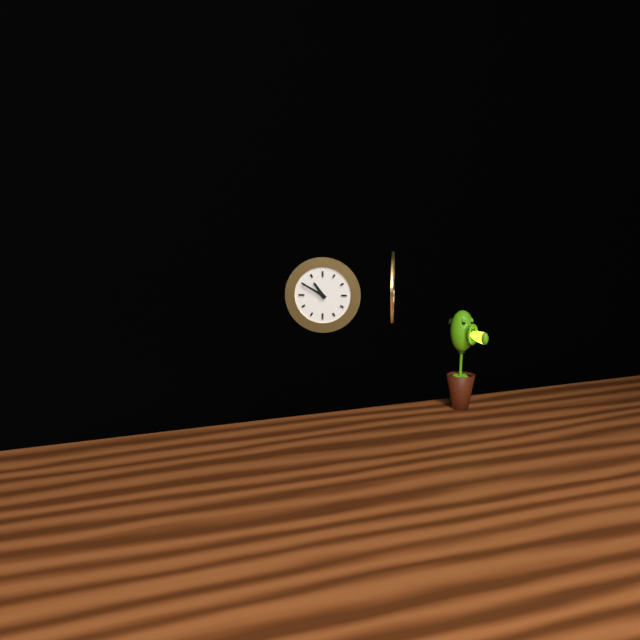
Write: 10,50
